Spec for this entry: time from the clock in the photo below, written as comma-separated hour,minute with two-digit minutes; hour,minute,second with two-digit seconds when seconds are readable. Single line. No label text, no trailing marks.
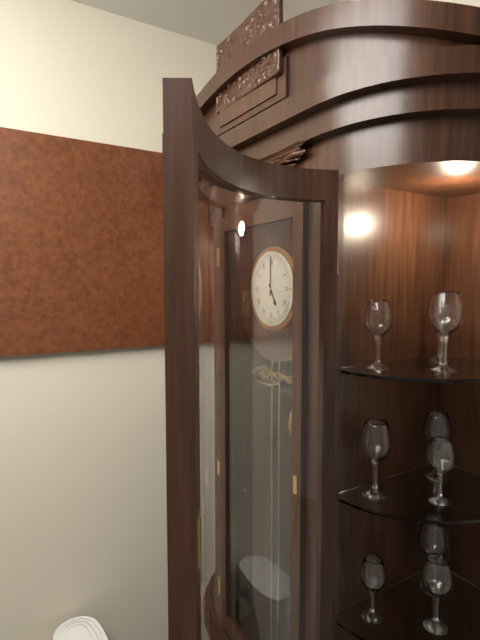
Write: 5,00
